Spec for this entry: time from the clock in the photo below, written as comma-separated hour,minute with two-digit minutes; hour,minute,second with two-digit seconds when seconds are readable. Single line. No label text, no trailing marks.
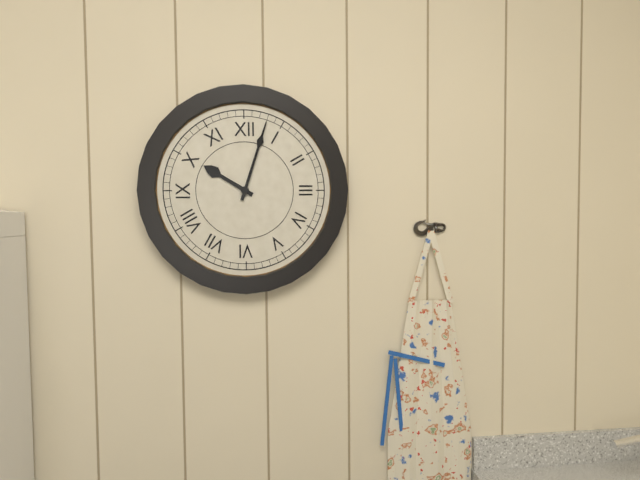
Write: 10,03
